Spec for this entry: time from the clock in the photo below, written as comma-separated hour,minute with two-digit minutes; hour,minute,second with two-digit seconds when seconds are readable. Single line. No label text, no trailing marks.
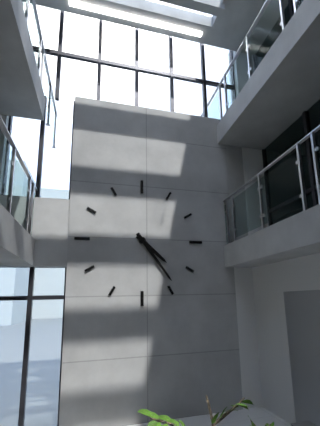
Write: 4,24
